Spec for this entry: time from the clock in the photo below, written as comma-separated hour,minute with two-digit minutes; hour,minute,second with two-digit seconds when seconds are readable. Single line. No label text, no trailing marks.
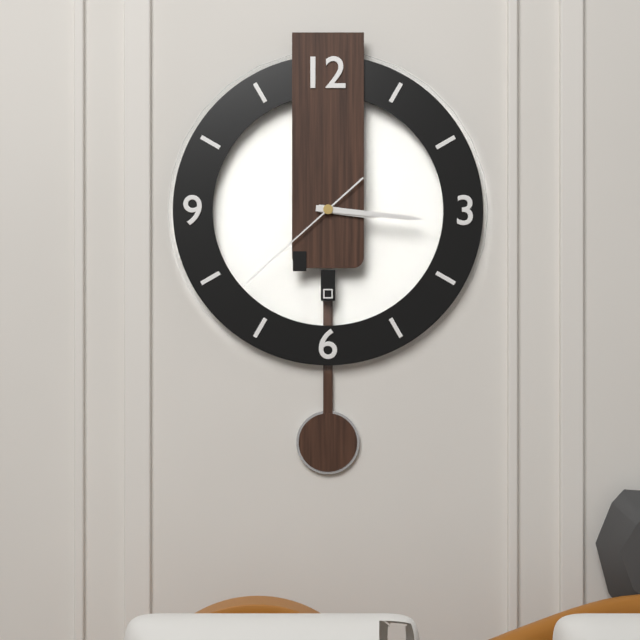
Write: 3,16,38
